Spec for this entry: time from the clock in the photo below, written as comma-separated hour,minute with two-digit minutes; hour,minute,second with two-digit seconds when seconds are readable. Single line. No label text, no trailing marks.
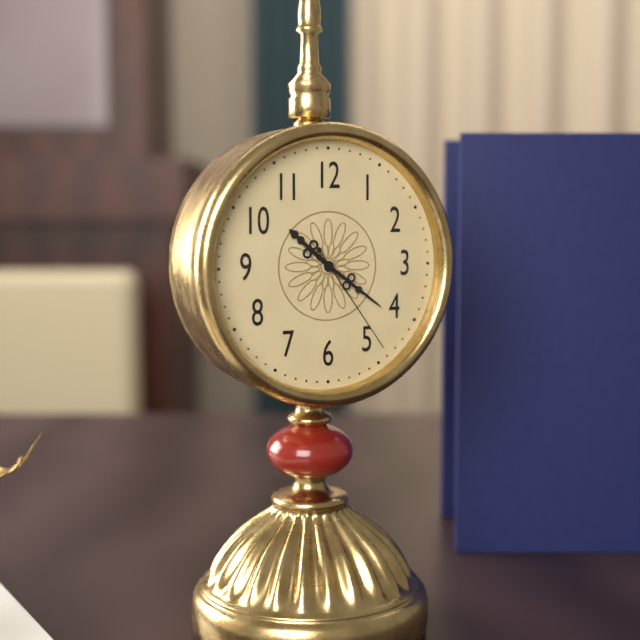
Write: 10,21,24
